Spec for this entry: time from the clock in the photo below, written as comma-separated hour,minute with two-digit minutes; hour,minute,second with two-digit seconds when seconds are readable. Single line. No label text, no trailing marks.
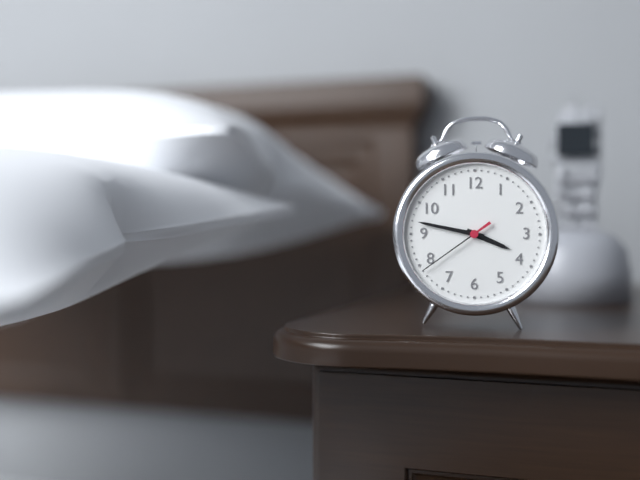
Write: 3,47,39
